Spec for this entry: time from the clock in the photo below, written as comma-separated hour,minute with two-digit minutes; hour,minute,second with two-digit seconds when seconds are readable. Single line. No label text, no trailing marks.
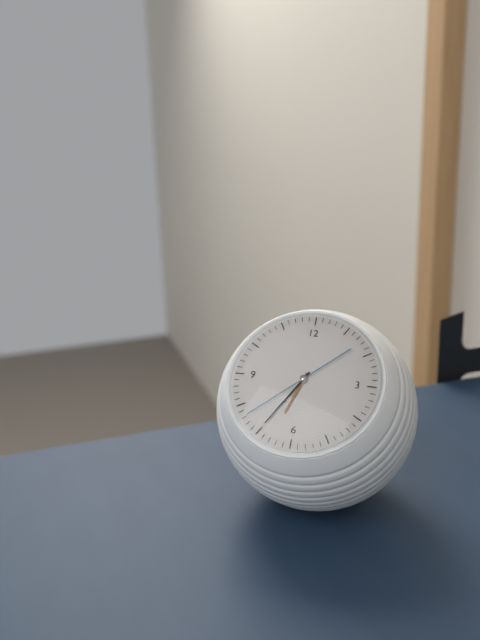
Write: 6,35,38
